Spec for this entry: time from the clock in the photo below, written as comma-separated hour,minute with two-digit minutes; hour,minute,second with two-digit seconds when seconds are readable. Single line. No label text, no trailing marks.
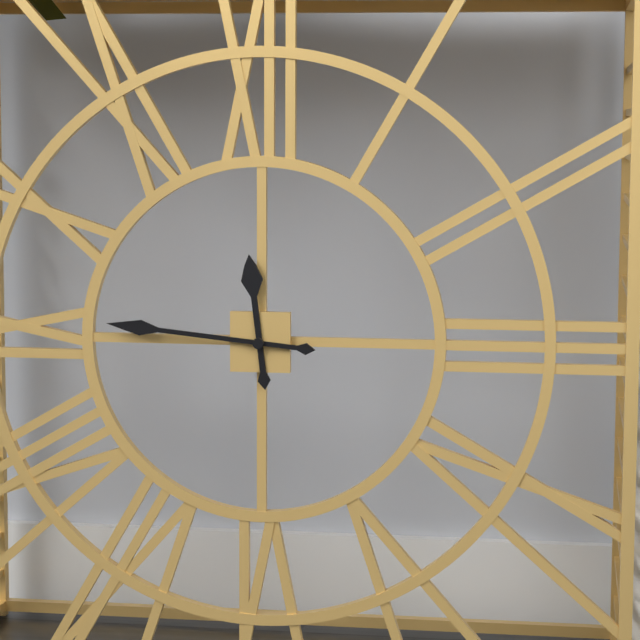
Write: 11,46
